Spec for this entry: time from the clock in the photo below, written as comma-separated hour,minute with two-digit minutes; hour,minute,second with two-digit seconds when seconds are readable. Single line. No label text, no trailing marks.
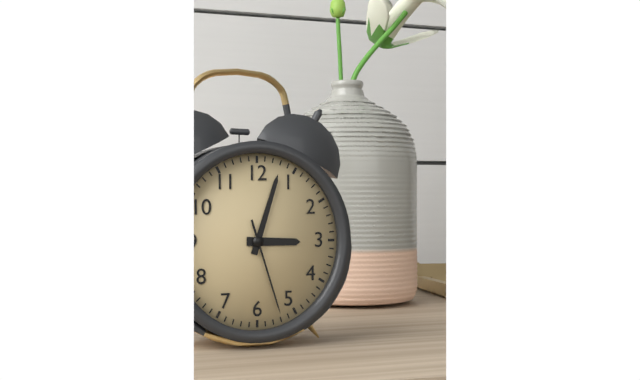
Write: 3,03,27
